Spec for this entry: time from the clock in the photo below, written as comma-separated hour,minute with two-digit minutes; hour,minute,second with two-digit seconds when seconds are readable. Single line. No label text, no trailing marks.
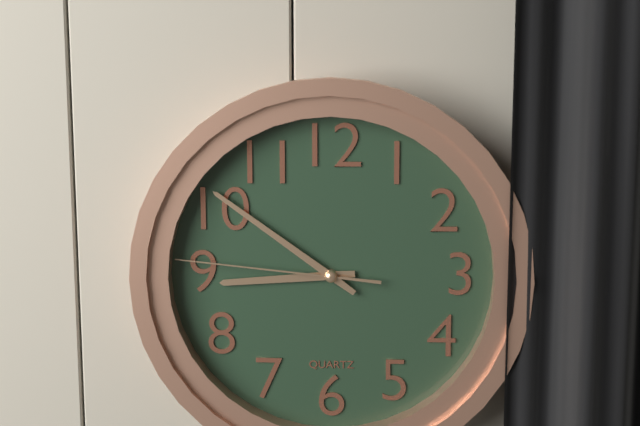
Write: 8,51,46
